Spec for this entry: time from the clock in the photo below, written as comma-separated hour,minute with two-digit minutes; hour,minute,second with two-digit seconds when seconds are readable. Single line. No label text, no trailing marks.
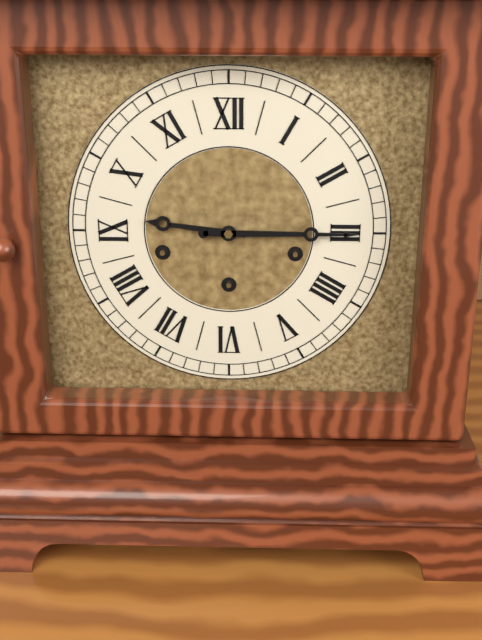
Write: 9,15
